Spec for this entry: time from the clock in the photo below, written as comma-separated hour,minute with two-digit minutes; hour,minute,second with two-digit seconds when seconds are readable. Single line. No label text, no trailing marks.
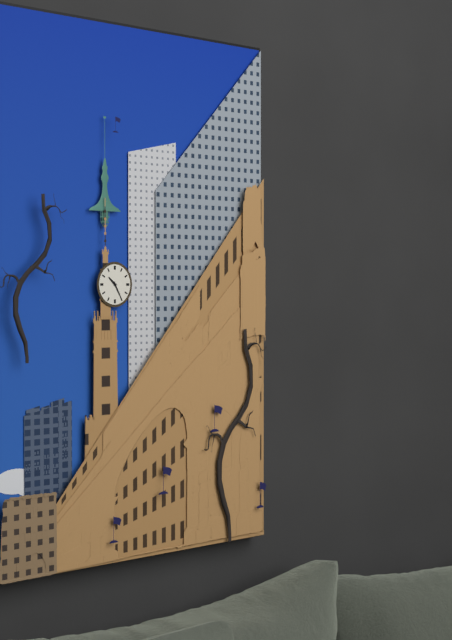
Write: 10,25
